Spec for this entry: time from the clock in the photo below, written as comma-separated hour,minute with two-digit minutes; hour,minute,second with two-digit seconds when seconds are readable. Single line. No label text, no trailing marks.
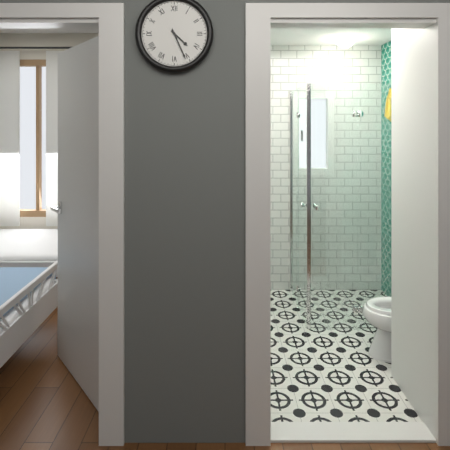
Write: 4,26
